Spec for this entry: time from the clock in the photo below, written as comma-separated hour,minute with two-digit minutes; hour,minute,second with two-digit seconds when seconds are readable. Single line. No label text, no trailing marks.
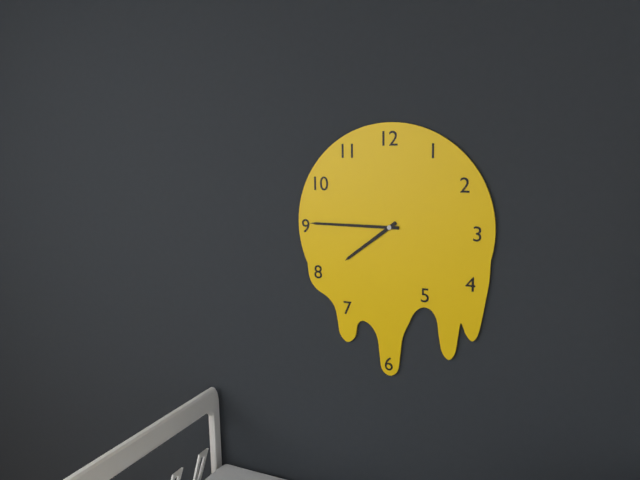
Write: 7,45
